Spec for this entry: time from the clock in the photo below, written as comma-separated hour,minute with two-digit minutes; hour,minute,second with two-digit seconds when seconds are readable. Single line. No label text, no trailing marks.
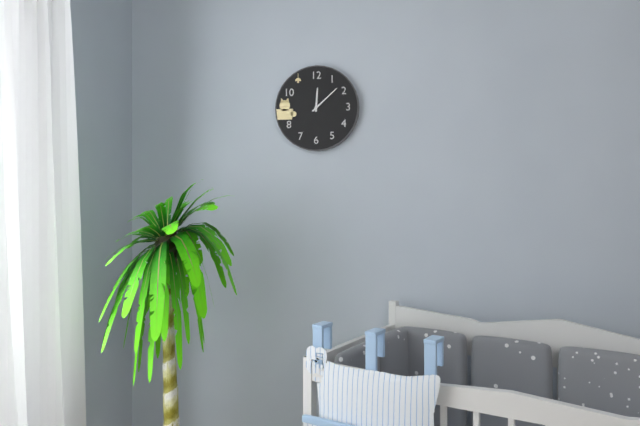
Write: 12,08
